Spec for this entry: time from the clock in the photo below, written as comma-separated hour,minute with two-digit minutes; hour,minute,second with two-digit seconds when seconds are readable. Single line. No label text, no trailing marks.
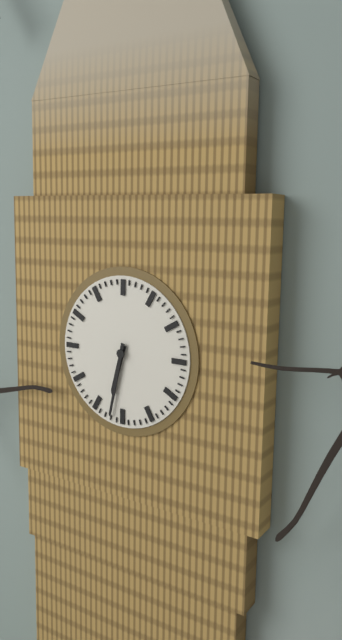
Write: 6,32
